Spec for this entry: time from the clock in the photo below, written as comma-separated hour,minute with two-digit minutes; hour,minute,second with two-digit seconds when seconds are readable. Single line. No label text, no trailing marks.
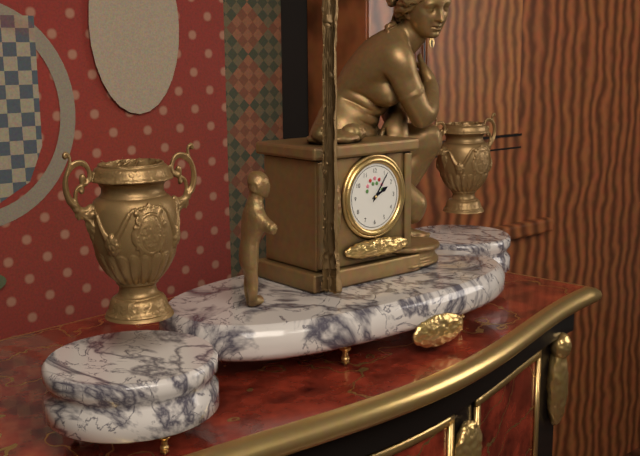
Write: 2,06
